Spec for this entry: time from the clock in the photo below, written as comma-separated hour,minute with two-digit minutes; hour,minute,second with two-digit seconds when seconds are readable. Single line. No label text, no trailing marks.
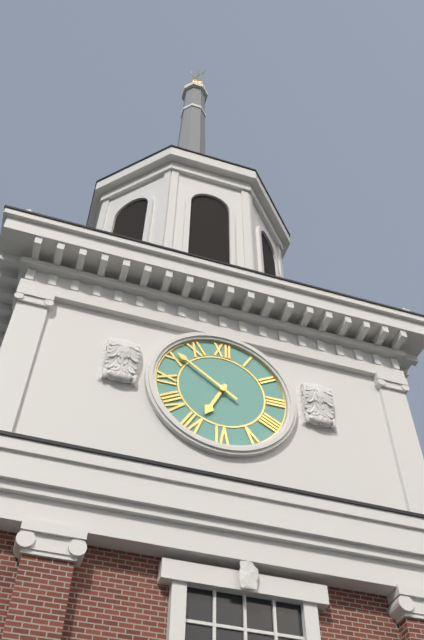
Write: 6,51
